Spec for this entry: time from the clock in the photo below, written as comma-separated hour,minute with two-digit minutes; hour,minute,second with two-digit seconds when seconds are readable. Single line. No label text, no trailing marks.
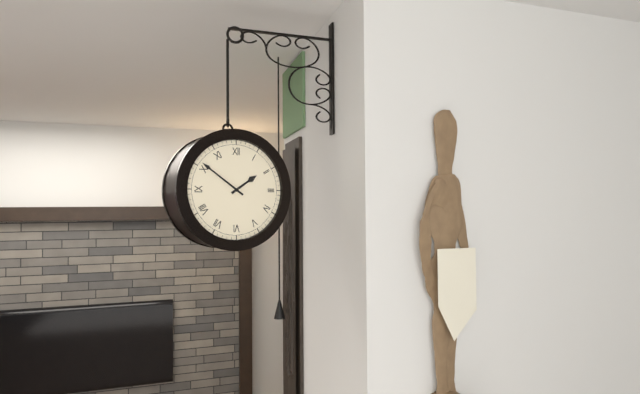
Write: 1,51
